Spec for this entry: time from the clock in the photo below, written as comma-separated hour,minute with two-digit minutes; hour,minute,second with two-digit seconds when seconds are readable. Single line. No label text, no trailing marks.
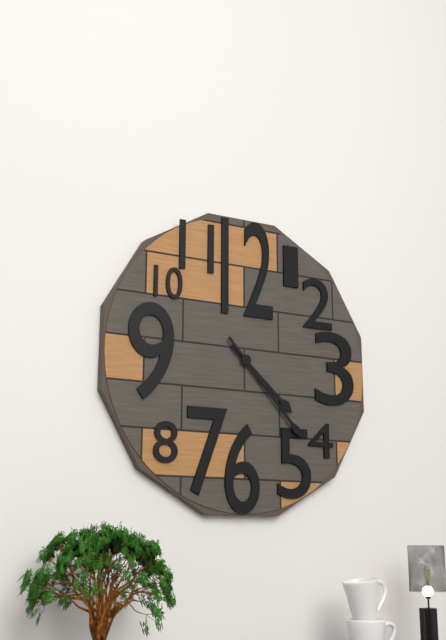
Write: 4,23
